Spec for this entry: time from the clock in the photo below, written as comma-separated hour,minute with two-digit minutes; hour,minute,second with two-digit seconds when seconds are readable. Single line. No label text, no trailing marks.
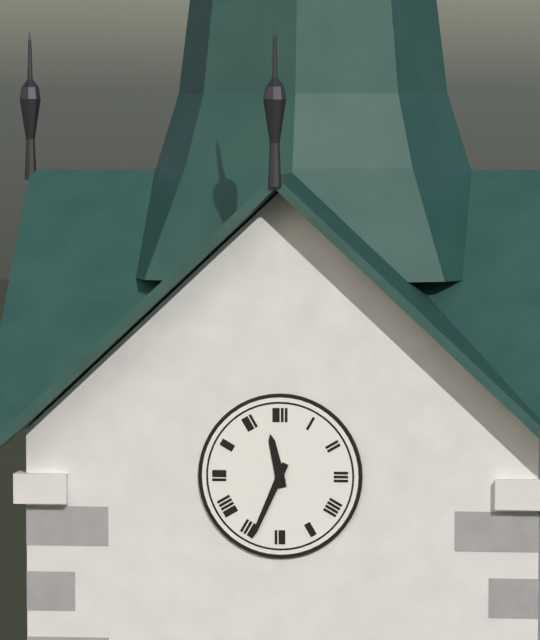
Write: 11,34
